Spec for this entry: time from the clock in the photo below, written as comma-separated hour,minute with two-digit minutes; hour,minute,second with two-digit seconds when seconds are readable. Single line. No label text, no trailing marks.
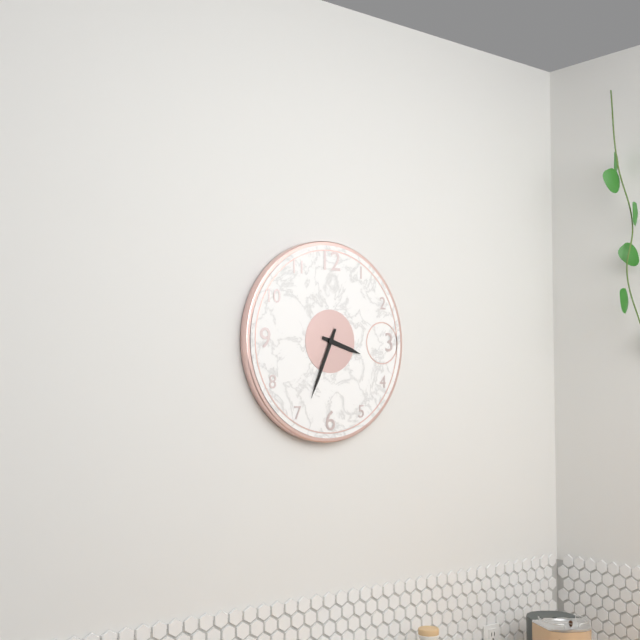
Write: 3,34
